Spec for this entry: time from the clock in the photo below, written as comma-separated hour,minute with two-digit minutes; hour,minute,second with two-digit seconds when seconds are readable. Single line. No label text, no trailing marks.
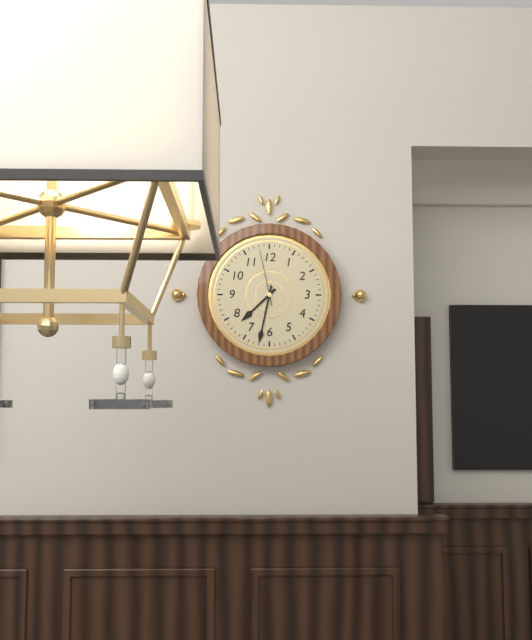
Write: 7,32,58
